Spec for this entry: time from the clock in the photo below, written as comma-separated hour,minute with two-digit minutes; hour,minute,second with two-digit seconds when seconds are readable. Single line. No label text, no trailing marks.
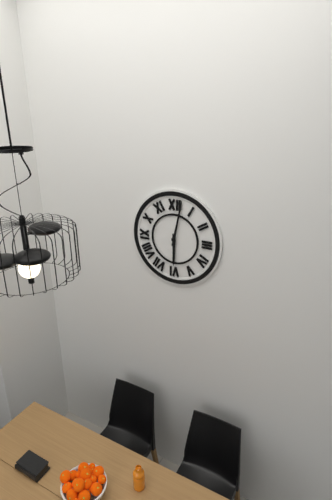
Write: 6,02
